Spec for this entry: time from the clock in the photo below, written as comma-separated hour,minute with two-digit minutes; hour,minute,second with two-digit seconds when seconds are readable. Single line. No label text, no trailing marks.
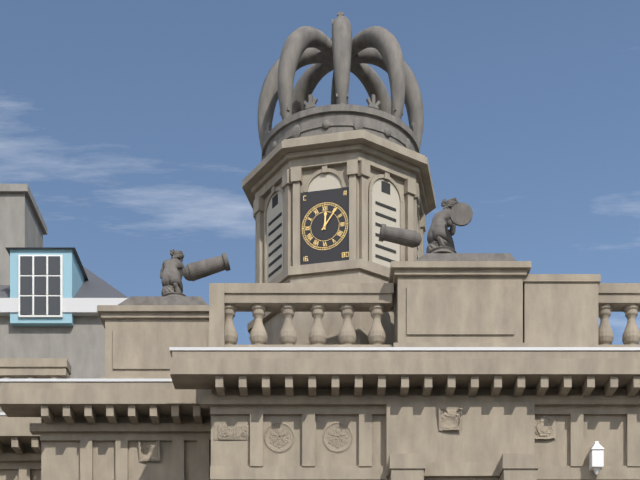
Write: 12,06
